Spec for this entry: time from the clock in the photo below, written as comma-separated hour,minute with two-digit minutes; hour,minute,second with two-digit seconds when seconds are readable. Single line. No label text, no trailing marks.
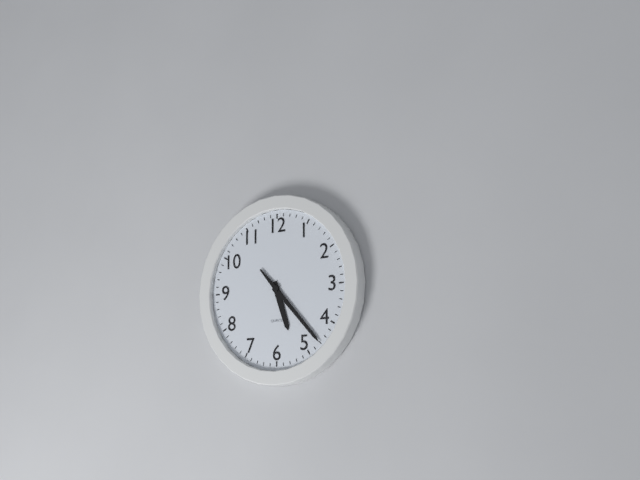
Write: 5,23
